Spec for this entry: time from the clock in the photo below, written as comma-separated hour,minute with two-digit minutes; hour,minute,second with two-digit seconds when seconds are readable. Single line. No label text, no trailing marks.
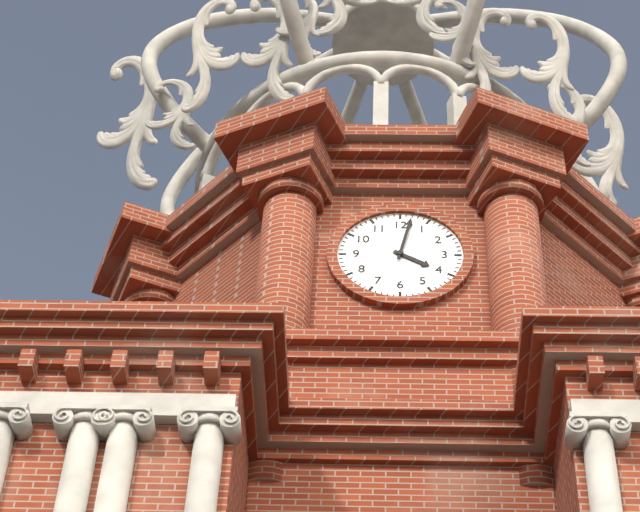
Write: 4,02
